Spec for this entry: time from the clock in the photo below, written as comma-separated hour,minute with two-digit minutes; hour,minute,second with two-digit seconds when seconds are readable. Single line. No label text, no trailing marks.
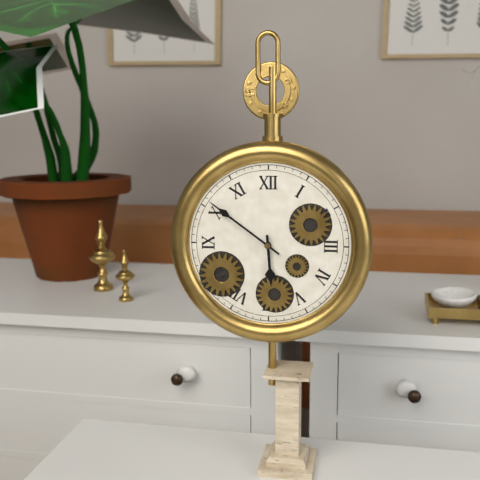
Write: 5,51
